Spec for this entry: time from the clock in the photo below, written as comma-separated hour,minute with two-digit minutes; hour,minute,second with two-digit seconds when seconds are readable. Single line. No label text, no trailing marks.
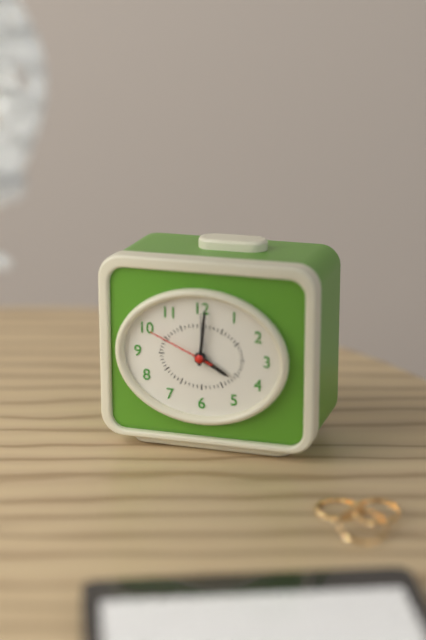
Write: 4,01,49
